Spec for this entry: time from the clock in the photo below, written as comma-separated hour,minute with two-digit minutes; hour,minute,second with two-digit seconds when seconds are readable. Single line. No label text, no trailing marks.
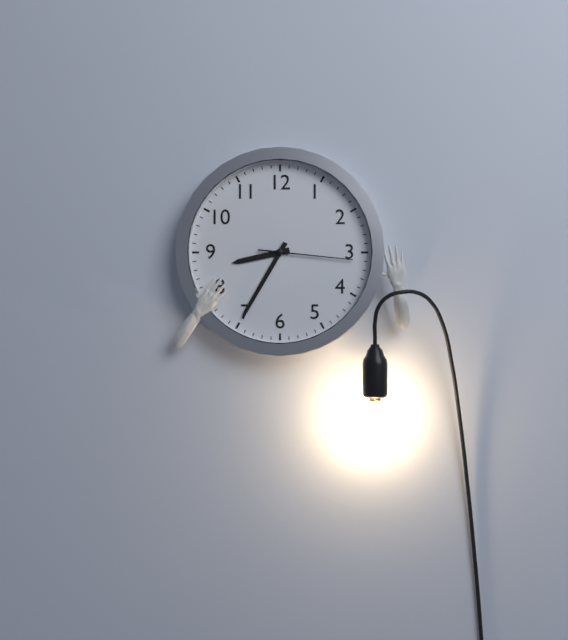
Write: 8,35,16
